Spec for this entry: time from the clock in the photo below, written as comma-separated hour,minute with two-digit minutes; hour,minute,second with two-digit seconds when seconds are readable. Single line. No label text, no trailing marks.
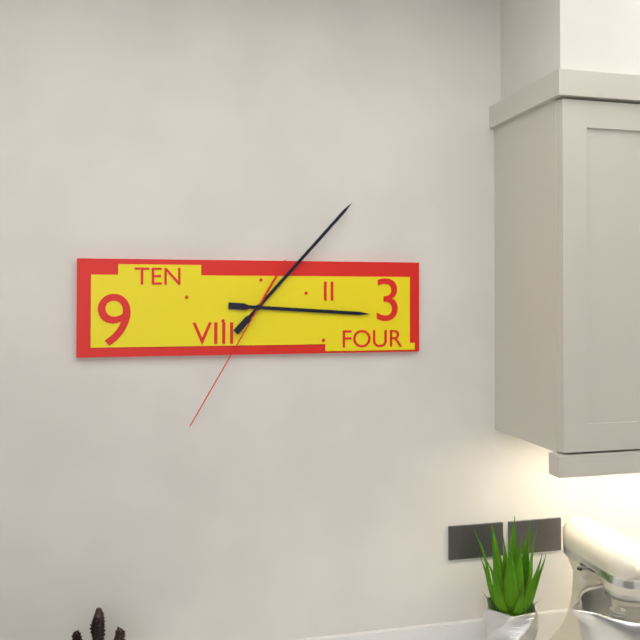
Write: 3,07,35
